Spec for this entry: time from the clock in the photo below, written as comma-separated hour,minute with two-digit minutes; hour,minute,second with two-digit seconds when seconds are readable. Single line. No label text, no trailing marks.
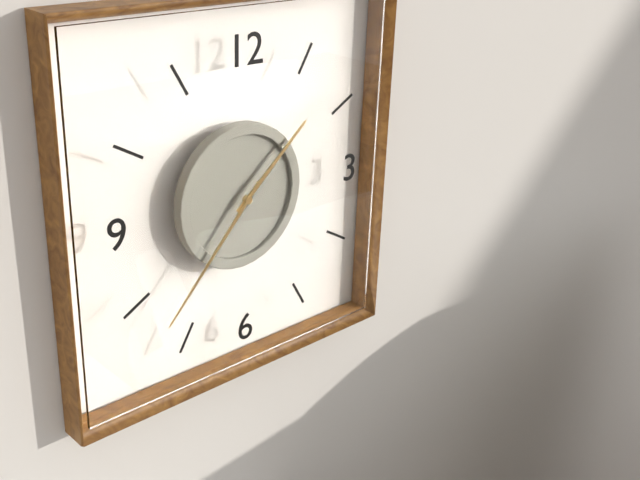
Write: 1,37
